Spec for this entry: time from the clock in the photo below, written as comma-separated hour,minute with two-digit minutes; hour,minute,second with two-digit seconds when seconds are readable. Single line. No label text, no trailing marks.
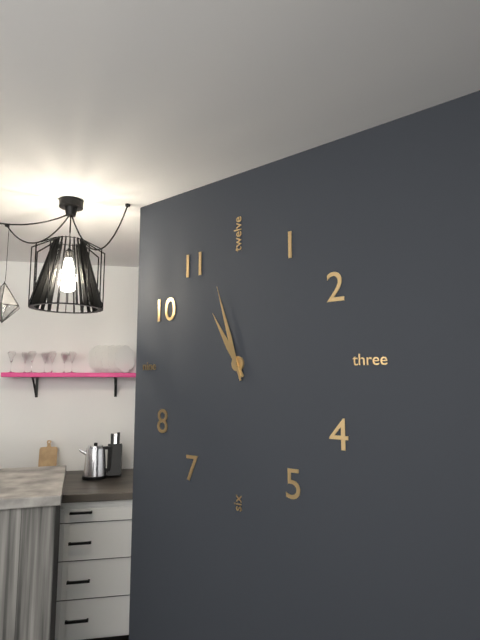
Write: 10,57
